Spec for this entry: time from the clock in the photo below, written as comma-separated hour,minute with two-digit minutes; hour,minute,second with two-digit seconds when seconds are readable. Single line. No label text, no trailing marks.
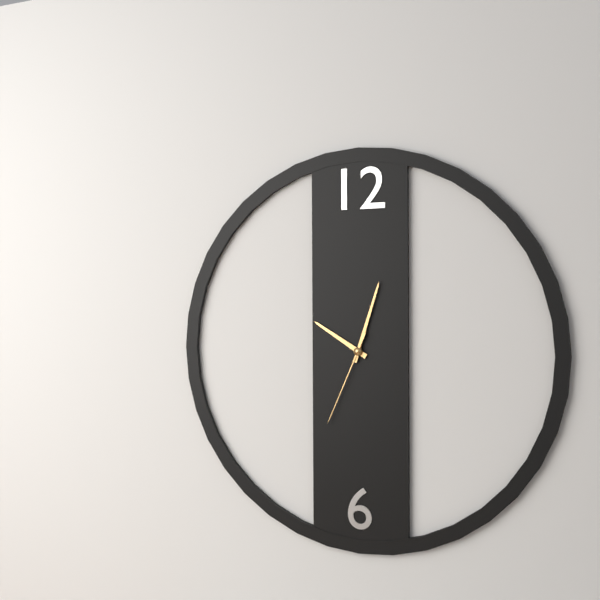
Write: 10,03,34
